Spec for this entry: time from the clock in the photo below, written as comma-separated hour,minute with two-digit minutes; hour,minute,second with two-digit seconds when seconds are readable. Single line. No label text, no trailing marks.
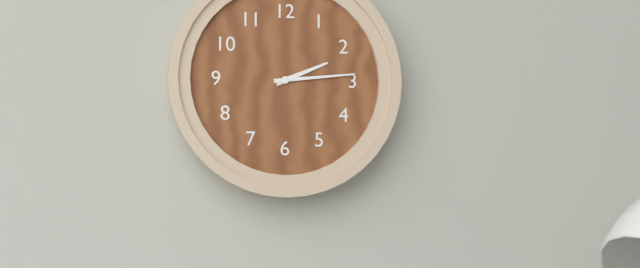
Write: 2,14
